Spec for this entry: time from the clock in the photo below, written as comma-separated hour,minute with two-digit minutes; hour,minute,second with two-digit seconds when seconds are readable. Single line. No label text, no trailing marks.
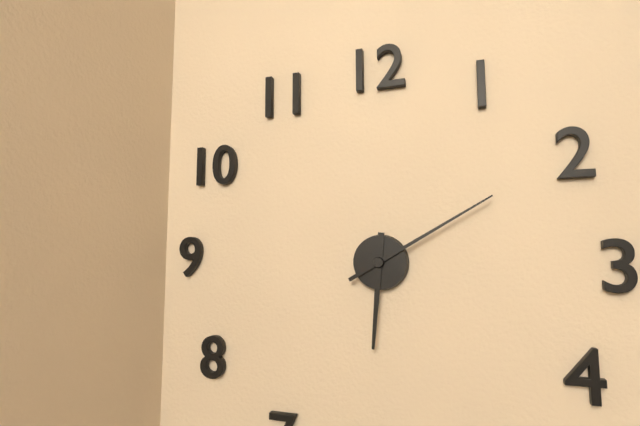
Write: 6,10
